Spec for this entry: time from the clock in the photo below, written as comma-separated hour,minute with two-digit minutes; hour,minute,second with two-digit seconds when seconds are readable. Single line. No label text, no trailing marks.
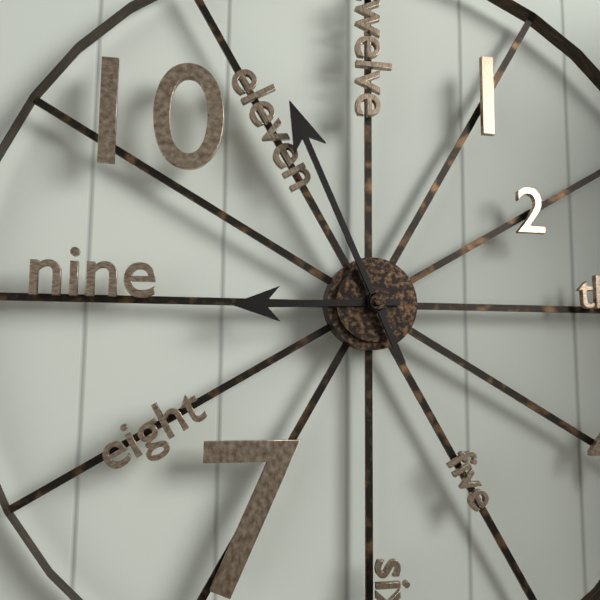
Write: 8,56
